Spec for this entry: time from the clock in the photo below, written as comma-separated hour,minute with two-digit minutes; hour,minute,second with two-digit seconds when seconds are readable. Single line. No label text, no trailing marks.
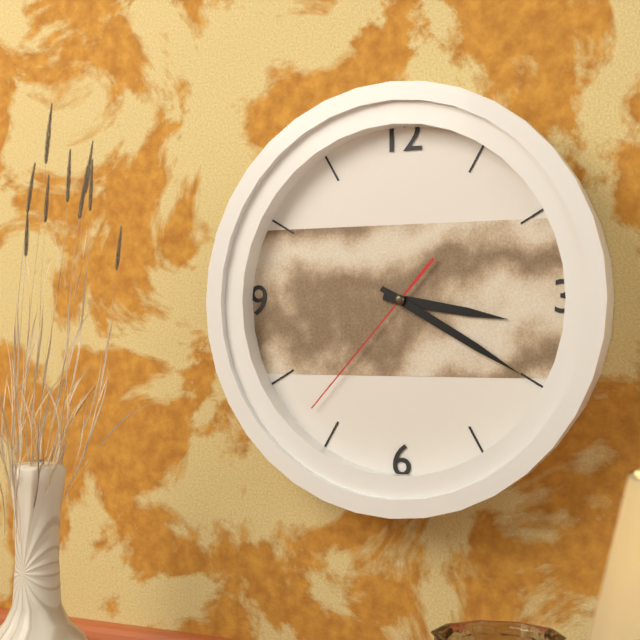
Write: 3,20,37
